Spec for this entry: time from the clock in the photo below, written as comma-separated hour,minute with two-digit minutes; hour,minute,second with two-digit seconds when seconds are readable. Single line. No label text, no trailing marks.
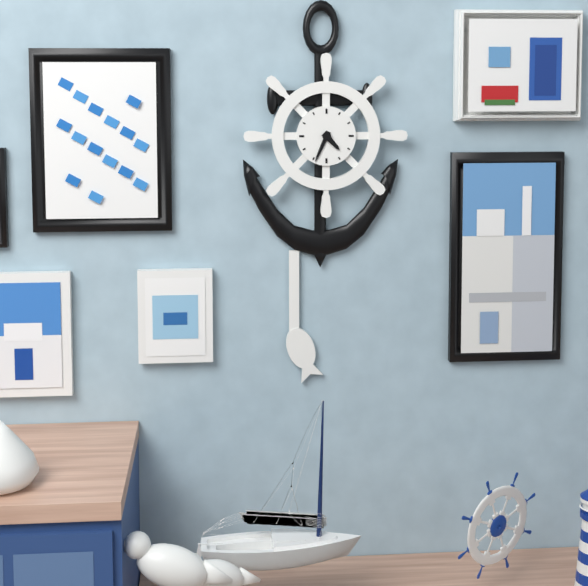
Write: 4,34
